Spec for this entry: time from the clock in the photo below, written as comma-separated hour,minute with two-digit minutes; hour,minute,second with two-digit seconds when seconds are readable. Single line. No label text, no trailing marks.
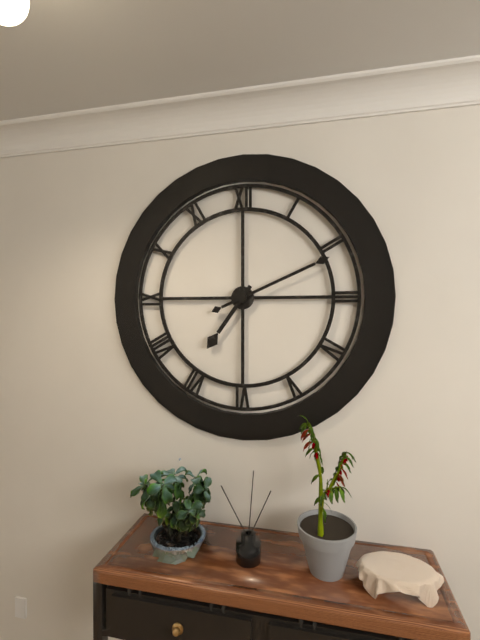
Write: 7,11
